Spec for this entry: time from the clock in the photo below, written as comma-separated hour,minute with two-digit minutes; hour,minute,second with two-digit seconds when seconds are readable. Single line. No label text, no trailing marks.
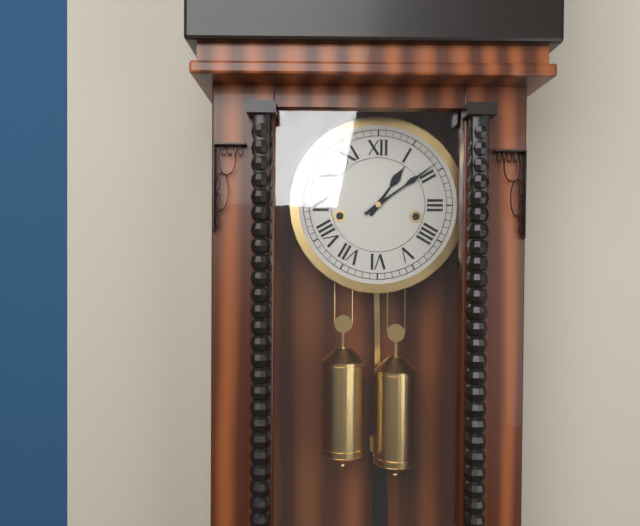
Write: 1,09
